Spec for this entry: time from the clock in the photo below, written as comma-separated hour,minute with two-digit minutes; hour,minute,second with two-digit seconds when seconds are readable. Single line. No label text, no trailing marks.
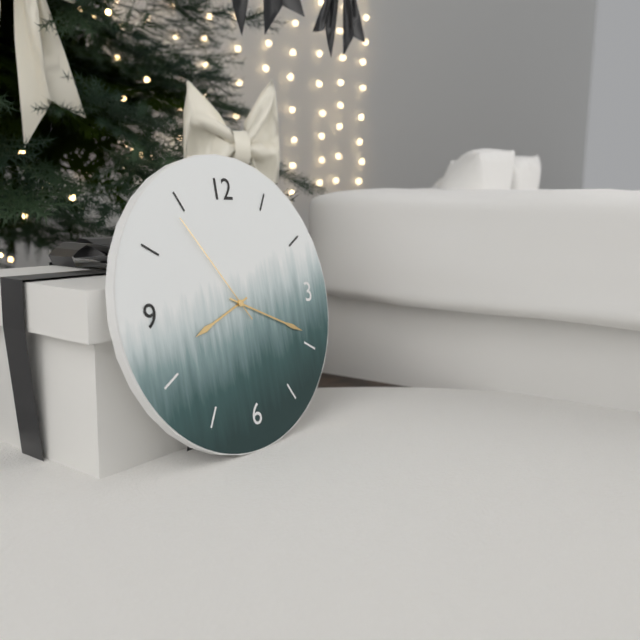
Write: 8,19,54
